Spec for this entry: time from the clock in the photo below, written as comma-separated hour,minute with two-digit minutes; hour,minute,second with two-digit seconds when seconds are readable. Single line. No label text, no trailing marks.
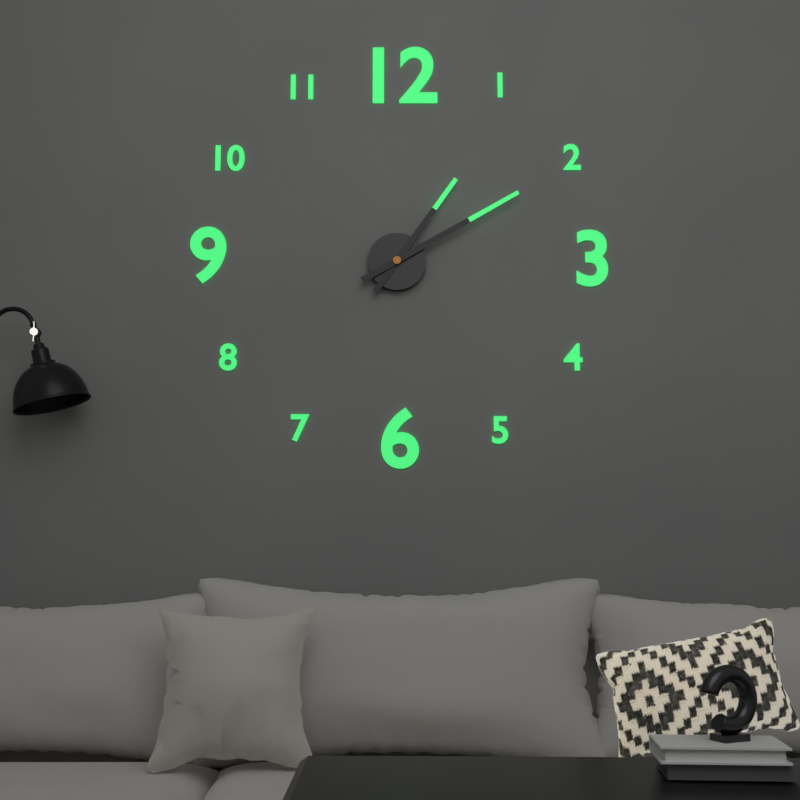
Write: 1,10
